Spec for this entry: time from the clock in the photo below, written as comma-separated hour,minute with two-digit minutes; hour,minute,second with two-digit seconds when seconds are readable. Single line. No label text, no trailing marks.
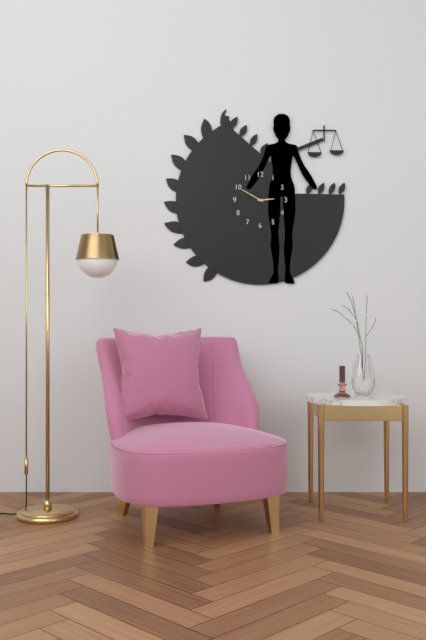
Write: 2,50
